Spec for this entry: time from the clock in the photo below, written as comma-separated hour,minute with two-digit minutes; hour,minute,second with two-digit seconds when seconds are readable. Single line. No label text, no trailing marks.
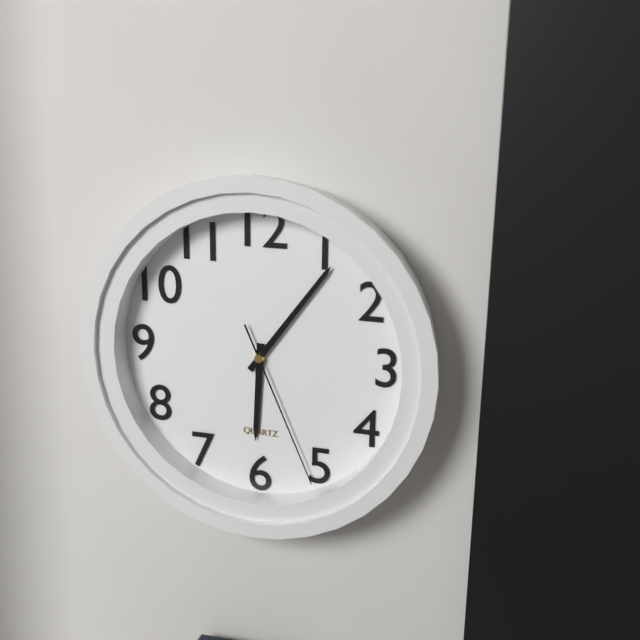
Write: 6,06,26
